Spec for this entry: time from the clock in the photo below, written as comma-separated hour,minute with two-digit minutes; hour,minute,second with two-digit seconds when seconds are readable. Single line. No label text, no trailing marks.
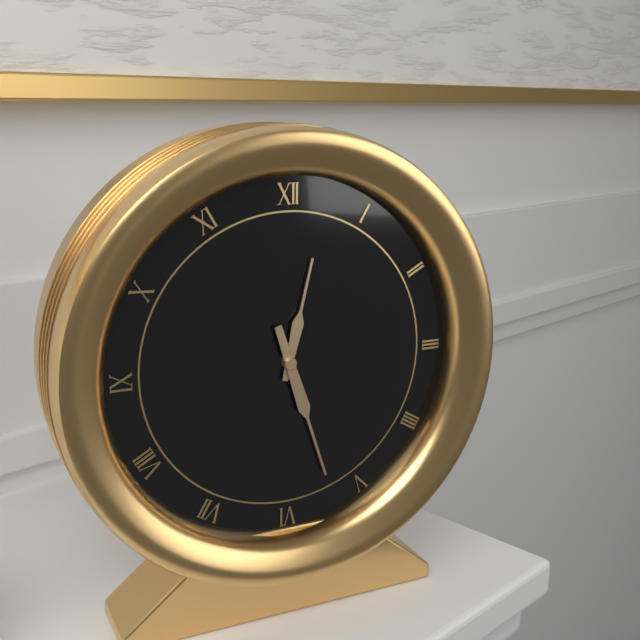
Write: 12,27
